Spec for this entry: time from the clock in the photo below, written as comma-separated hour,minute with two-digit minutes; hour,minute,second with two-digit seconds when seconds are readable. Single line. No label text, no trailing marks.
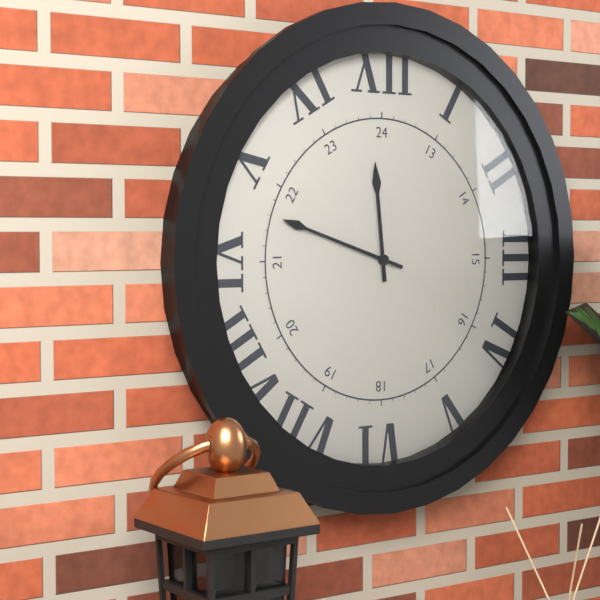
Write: 11,48
